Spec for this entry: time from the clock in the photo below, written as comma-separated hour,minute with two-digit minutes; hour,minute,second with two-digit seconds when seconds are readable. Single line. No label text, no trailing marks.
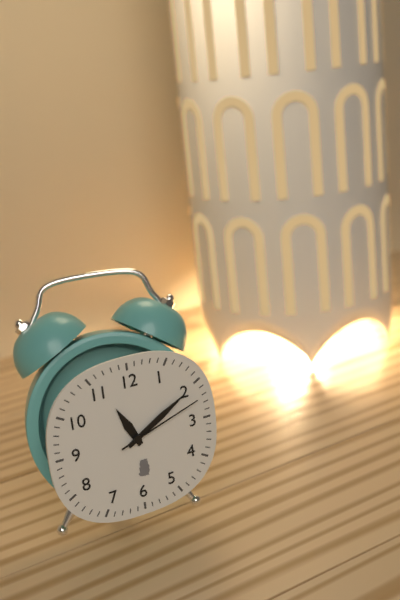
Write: 11,10,12
